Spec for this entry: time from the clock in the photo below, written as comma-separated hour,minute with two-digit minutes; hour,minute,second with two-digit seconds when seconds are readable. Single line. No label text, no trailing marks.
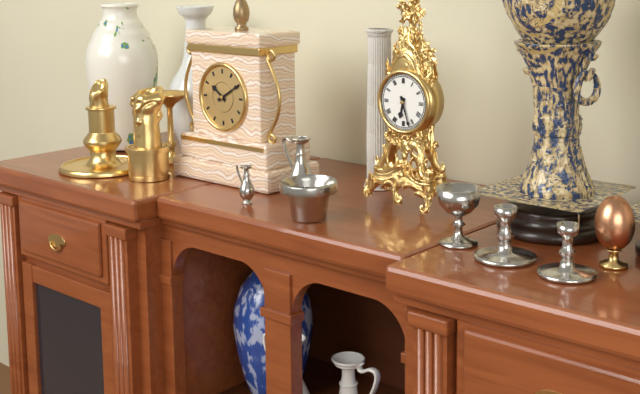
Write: 6,27
